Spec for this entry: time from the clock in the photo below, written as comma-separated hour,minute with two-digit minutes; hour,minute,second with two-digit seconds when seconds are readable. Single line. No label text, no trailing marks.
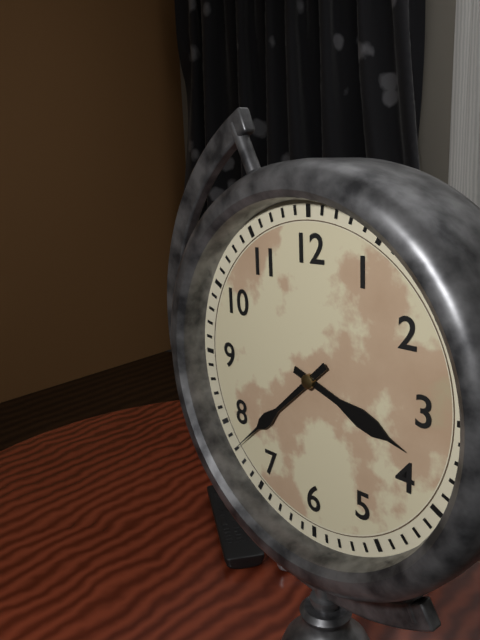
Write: 3,38
